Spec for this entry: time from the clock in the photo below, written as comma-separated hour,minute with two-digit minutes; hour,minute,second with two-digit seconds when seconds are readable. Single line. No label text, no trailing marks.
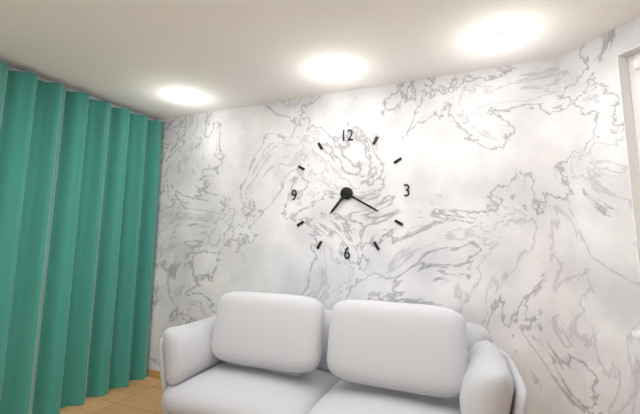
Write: 7,20
